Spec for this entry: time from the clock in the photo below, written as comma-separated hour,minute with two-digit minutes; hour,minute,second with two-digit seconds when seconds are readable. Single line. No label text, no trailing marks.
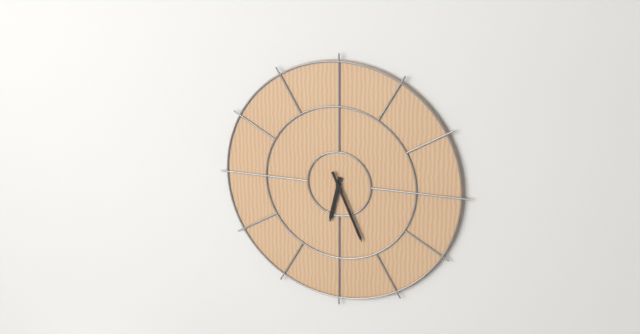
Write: 6,26
